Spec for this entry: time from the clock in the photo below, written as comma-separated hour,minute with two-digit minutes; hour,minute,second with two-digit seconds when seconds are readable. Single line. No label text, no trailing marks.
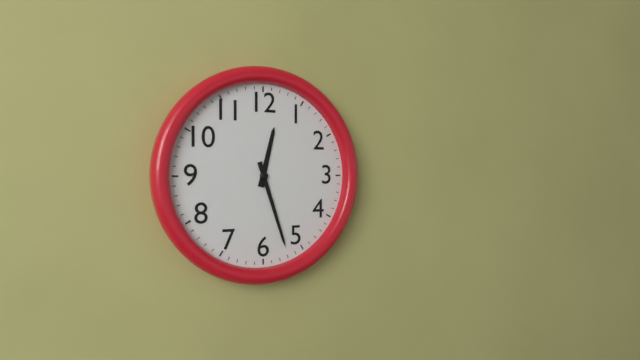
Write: 12,27
